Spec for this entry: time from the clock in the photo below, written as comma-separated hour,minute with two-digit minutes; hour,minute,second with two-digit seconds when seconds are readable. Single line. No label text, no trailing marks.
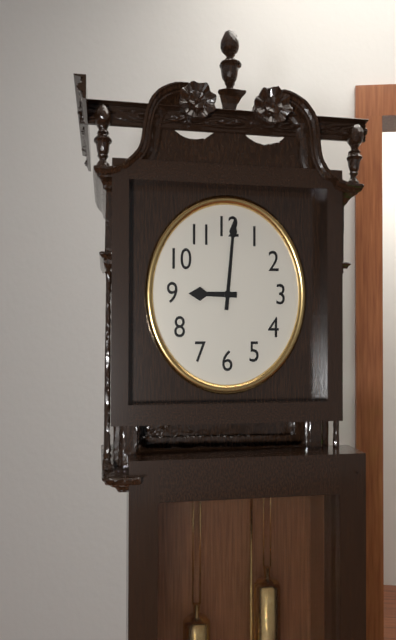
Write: 9,01
